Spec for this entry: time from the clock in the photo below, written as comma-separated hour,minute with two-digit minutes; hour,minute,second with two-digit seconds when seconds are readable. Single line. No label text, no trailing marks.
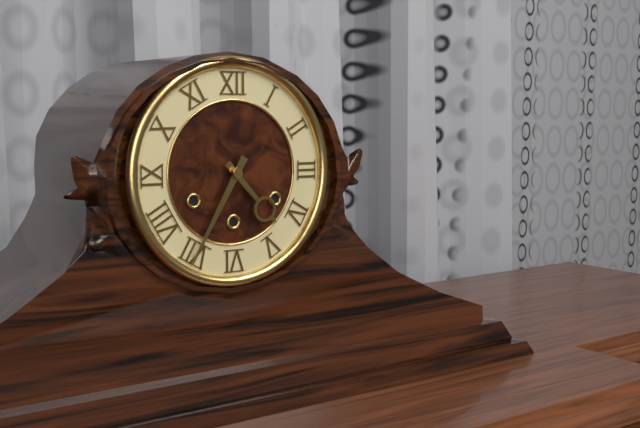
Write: 4,35
